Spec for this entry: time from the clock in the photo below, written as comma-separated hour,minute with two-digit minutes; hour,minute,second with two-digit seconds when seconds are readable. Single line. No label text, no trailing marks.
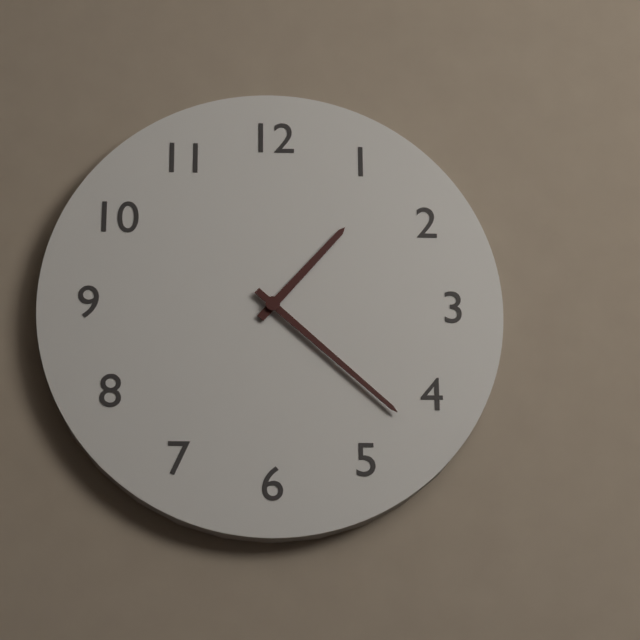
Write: 1,22
